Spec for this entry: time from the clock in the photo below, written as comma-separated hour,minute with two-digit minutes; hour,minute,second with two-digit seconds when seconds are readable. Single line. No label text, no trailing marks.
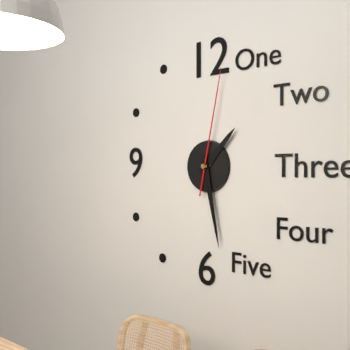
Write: 1,28,02
